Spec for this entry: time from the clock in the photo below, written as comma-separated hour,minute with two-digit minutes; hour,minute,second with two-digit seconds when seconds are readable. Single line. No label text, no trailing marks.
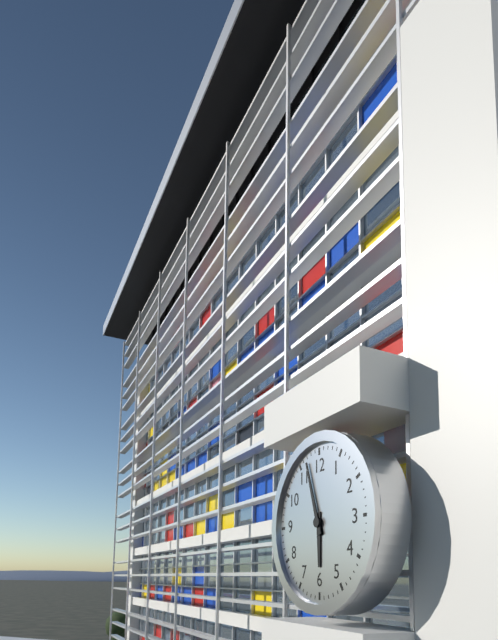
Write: 5,57
